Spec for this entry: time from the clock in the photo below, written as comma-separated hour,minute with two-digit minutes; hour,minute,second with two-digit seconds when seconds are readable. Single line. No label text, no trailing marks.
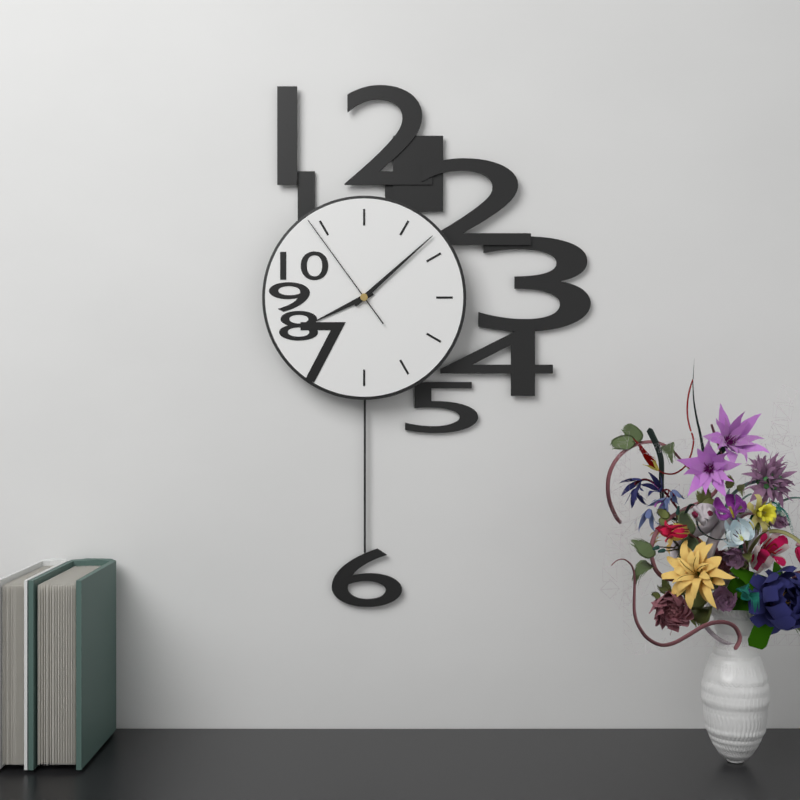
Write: 8,08,54
